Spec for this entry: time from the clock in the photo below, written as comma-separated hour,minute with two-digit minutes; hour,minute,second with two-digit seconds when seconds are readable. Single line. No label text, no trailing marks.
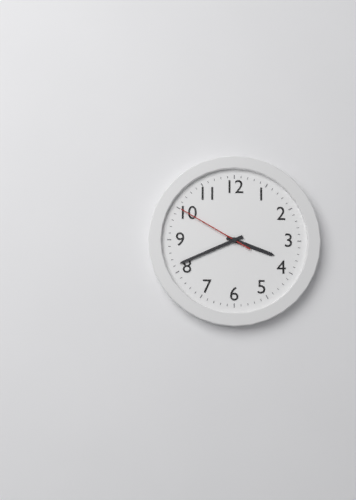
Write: 3,41,50
